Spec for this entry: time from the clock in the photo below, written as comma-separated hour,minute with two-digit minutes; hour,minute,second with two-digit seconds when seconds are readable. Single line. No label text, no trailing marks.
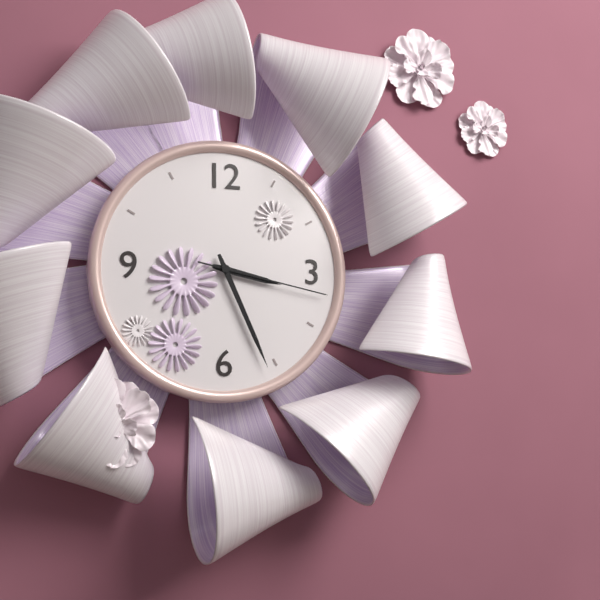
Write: 3,26,17
